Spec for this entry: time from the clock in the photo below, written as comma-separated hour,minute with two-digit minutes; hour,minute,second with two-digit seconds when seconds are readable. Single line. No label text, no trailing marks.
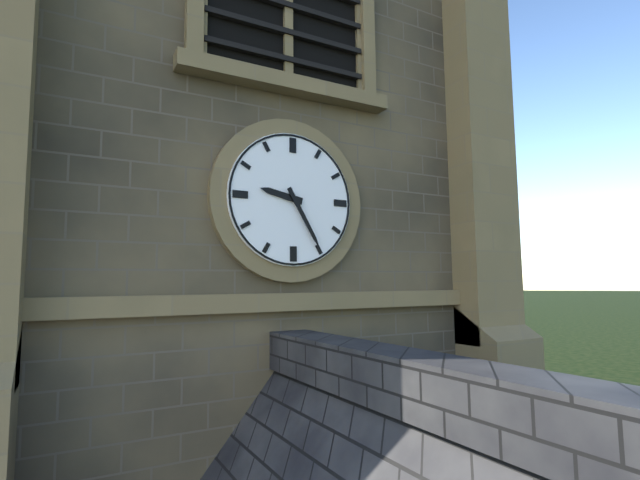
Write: 9,25
